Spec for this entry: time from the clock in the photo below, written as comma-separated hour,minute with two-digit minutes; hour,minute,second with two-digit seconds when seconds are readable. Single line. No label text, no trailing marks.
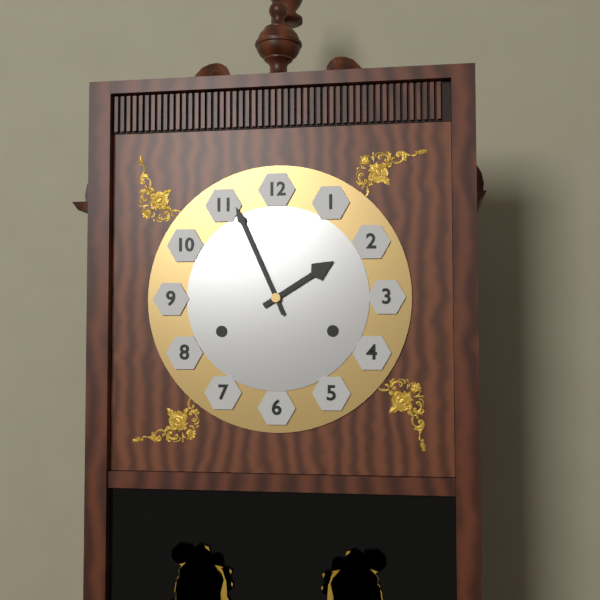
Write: 1,56
